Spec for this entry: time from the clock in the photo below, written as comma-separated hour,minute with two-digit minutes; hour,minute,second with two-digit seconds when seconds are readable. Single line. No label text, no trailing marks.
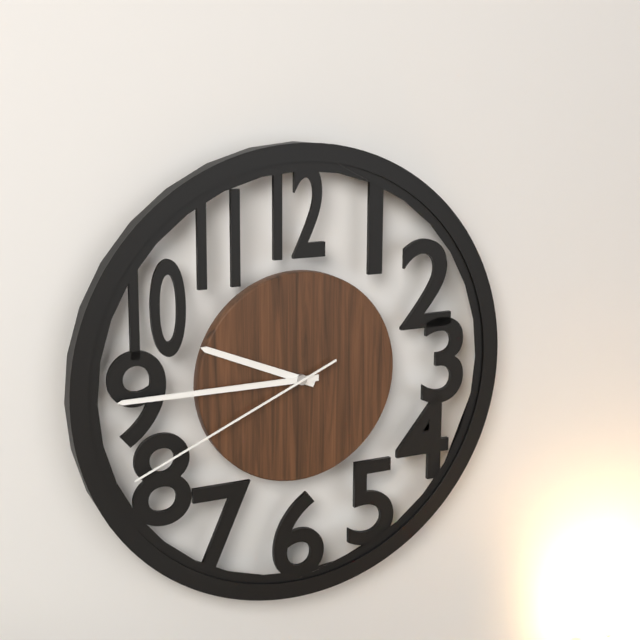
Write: 9,45,41
